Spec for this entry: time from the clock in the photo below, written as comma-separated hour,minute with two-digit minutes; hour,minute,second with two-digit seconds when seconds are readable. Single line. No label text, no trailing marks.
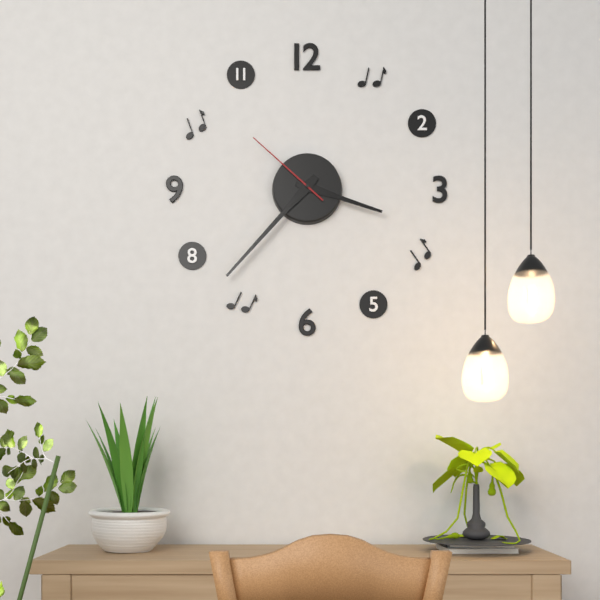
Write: 3,37,52
